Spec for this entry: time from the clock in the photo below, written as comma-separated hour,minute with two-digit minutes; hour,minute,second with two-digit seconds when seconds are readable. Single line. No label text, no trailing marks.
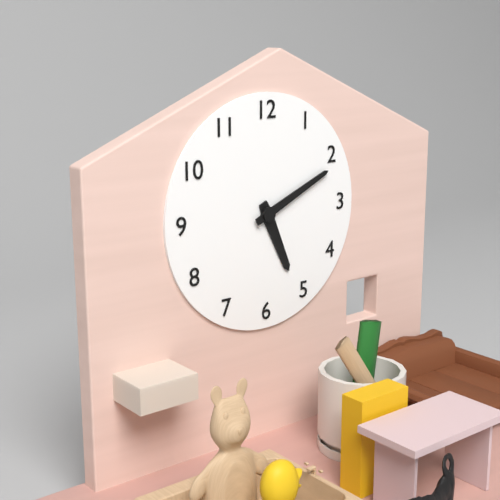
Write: 5,11
